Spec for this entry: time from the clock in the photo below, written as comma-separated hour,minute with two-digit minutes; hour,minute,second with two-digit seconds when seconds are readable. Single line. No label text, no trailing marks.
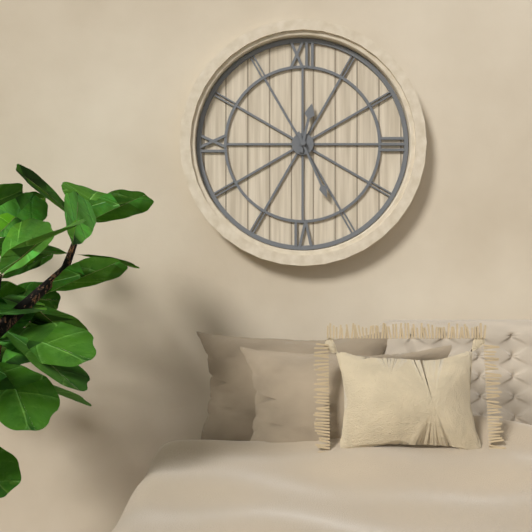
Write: 12,26
